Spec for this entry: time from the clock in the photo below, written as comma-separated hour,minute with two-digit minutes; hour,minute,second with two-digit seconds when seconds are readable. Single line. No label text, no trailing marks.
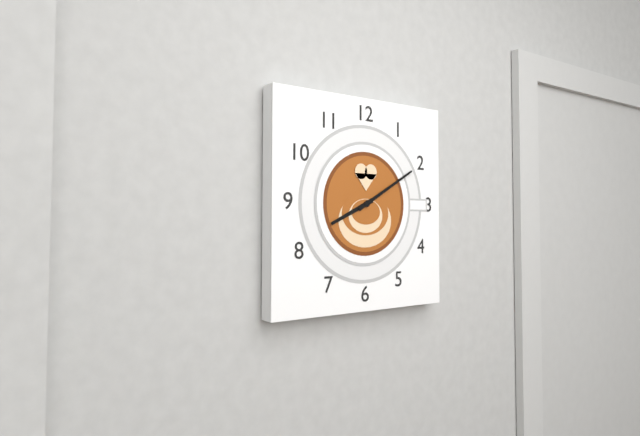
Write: 8,10
